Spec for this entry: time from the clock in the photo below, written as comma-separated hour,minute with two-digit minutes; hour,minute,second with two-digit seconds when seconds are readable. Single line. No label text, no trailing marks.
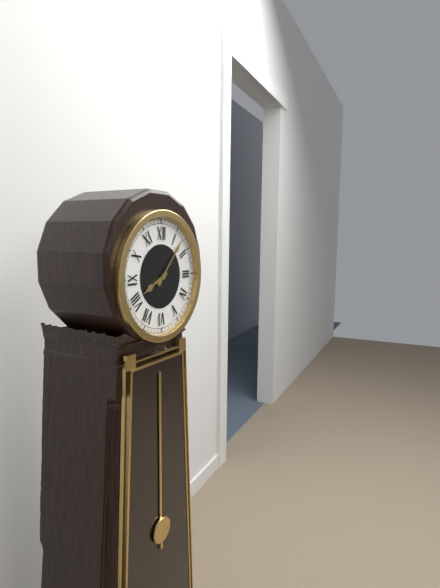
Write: 8,07
